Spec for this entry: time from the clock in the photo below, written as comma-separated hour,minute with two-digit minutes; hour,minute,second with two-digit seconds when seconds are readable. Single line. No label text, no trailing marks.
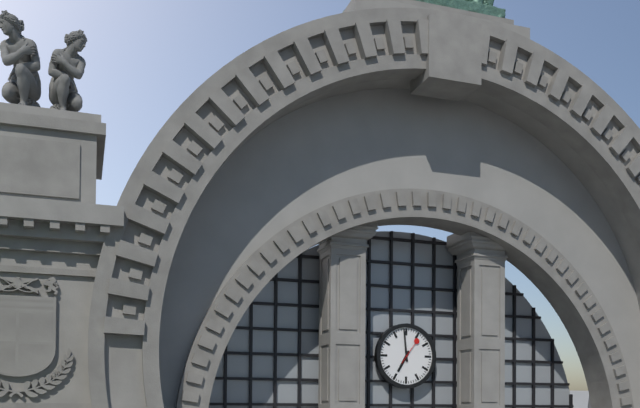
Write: 6,59
